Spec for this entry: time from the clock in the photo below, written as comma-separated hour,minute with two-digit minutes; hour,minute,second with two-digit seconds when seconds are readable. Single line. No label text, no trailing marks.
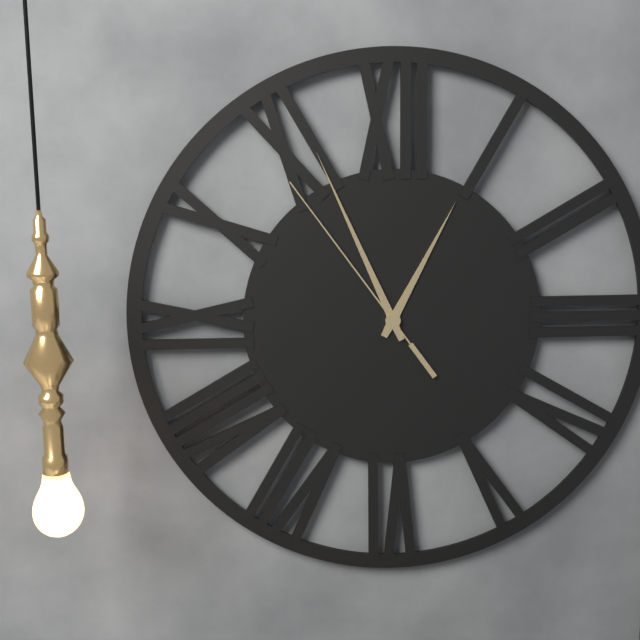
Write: 12,56,54
